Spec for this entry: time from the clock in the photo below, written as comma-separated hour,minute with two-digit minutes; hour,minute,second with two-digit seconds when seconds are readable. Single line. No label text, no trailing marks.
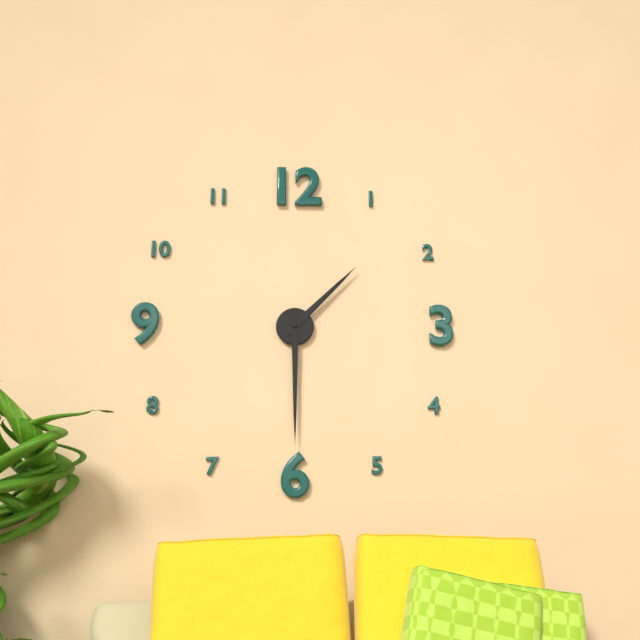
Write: 1,30
